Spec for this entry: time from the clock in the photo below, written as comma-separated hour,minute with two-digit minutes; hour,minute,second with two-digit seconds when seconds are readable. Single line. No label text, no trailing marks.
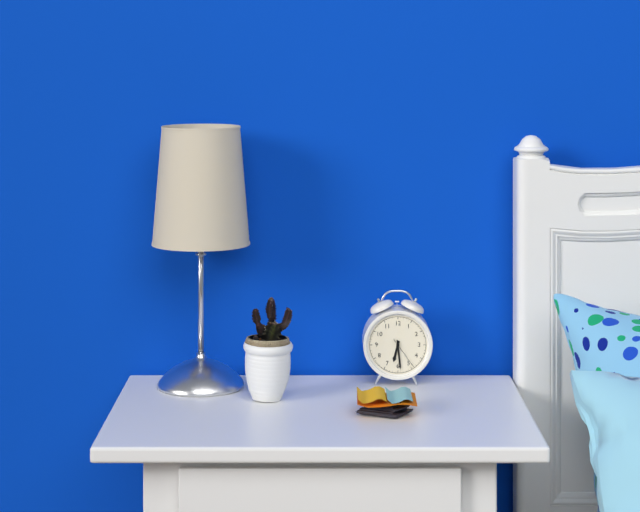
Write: 6,29
